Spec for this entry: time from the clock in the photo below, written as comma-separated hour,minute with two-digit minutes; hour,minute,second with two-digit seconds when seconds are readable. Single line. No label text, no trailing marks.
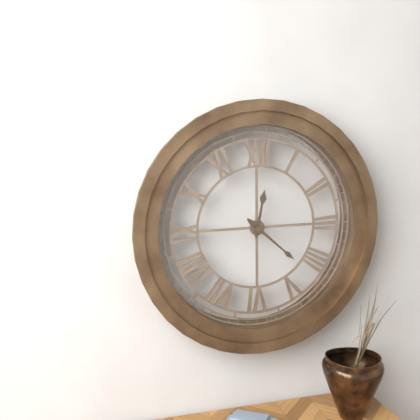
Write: 12,22
